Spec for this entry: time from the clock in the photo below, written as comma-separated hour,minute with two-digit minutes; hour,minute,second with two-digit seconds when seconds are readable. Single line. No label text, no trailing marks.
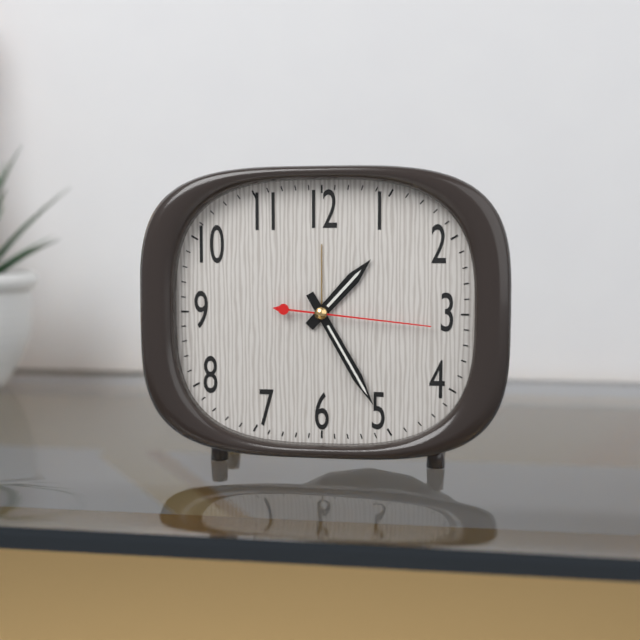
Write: 1,25,16
